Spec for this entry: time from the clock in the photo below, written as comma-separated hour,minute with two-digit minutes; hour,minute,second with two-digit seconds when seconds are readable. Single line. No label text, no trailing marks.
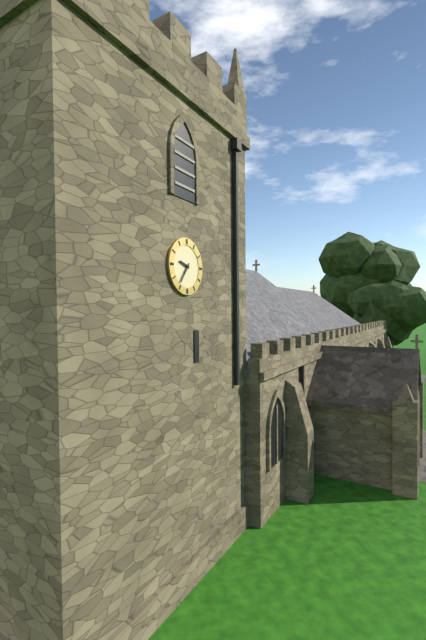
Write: 9,36
